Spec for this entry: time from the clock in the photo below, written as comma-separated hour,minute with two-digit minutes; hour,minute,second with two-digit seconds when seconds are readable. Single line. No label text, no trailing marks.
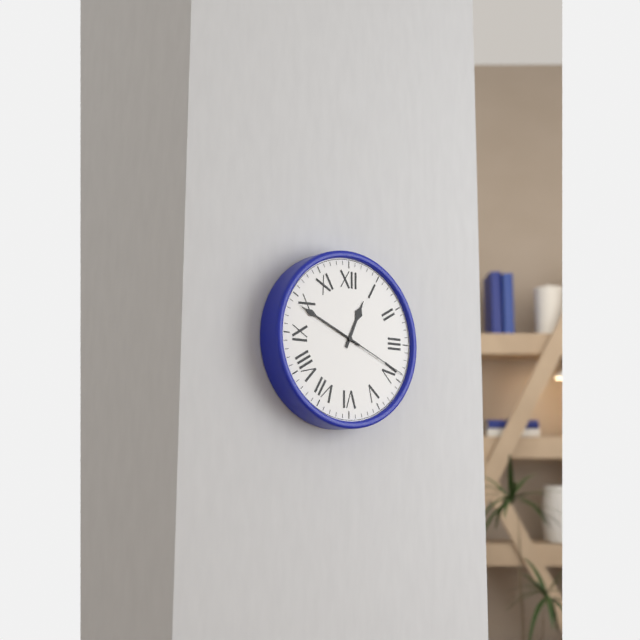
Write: 12,49,19
